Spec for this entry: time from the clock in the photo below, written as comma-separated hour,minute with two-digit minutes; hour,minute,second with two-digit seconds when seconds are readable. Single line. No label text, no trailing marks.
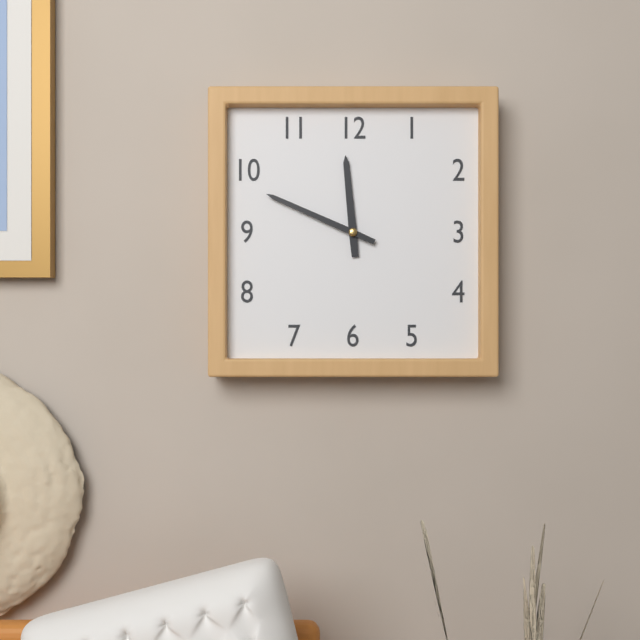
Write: 11,49
